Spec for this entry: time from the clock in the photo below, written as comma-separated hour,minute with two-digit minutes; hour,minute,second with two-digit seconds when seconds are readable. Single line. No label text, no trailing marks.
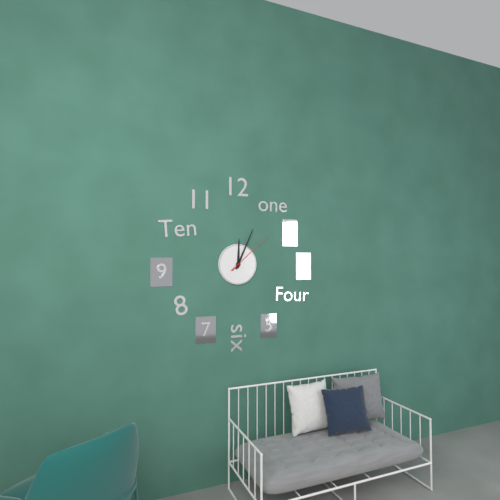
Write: 12,04,08
